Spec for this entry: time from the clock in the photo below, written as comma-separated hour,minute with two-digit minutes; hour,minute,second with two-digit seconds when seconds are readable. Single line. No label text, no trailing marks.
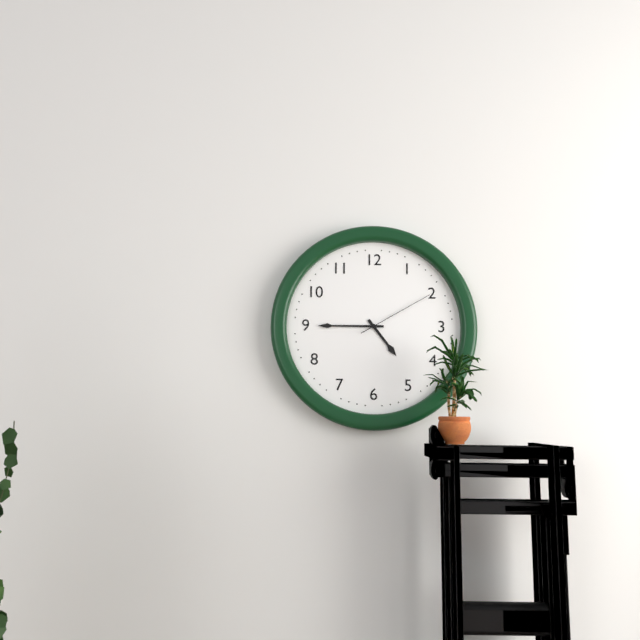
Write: 4,45,10
